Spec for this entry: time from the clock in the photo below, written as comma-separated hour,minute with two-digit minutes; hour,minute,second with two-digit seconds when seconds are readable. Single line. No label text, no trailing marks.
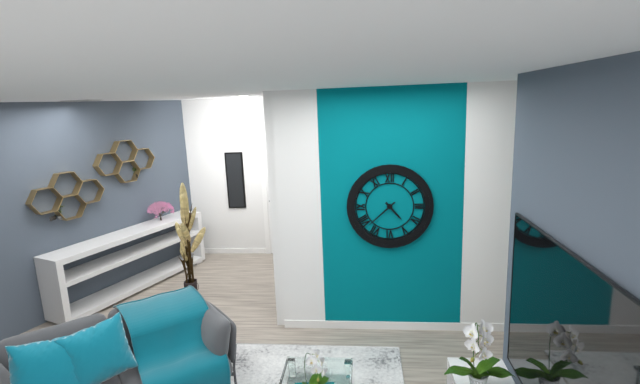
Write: 4,38
